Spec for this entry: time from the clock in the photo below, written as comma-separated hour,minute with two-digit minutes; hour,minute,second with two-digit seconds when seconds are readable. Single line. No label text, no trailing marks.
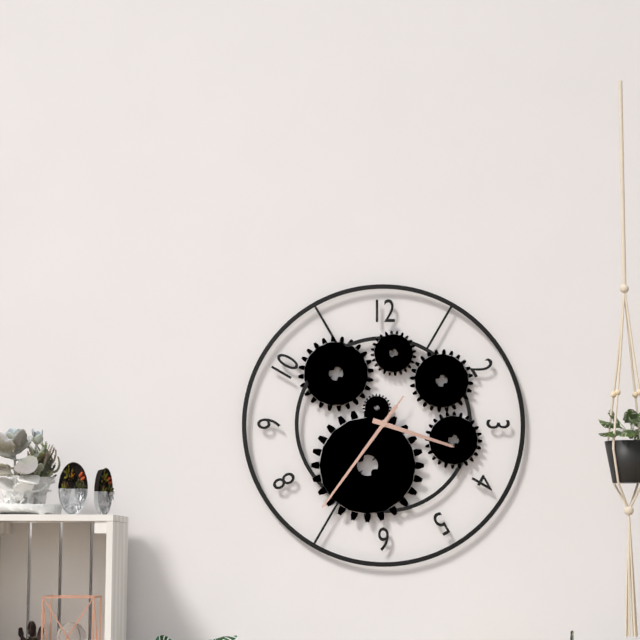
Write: 3,36,36
